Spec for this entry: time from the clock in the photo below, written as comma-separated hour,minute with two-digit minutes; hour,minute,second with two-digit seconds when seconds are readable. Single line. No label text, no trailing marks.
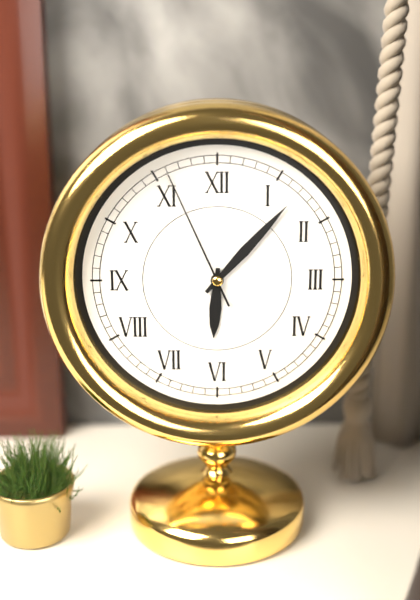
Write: 6,07,56
